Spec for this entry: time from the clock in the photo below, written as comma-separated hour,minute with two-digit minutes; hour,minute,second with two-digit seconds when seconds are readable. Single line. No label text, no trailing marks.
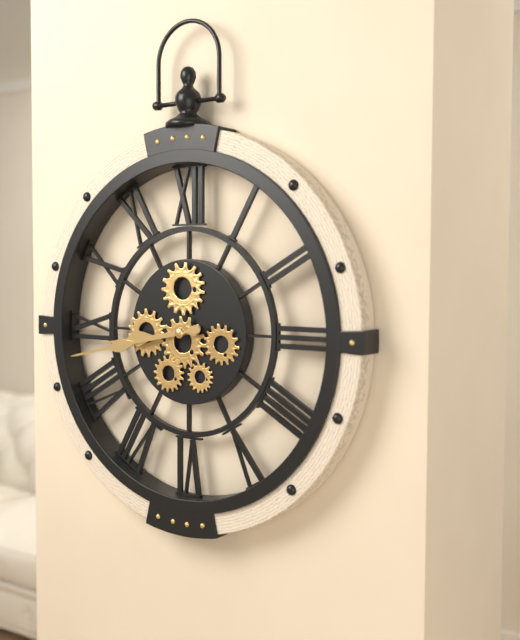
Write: 8,43
